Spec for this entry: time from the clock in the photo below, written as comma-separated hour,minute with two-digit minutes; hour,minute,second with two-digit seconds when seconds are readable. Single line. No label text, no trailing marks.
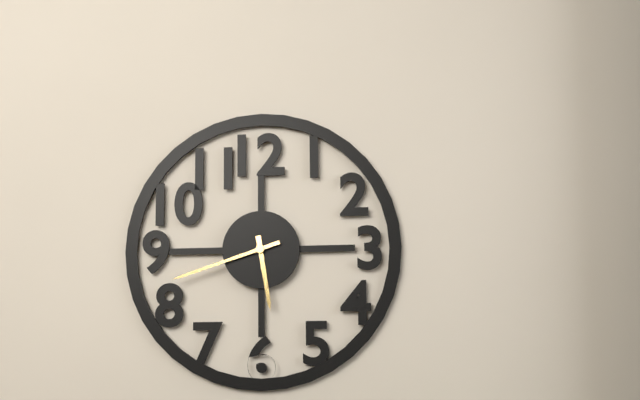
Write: 5,42
